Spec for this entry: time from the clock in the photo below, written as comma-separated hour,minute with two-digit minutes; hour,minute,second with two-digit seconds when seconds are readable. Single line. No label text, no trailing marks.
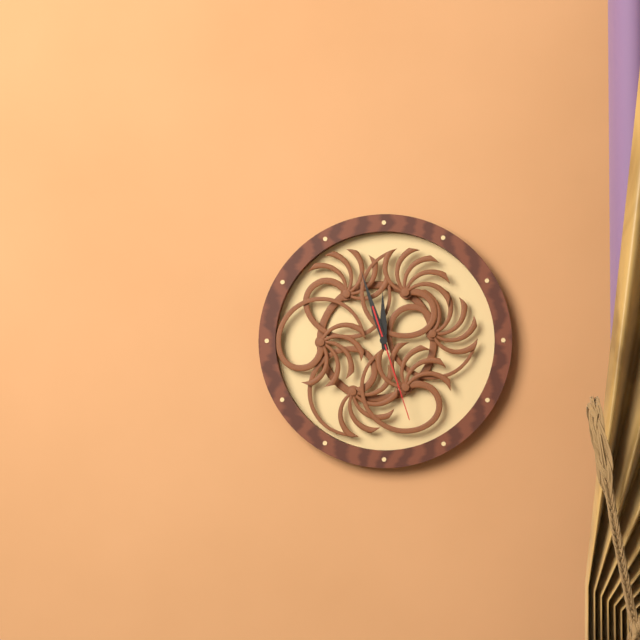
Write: 11,57,27
